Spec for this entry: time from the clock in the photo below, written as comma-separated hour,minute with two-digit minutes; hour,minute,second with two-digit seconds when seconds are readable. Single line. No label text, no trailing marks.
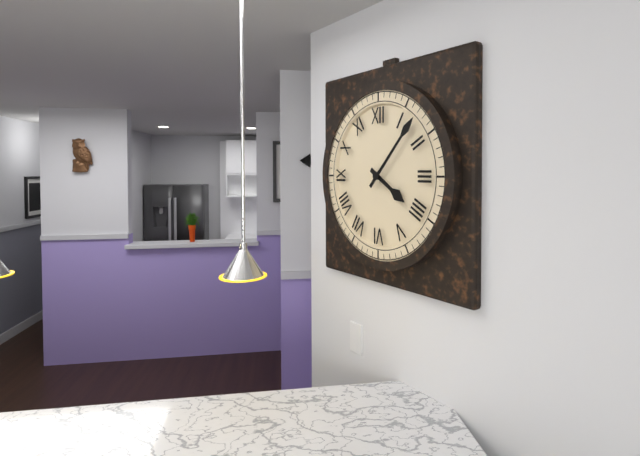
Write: 4,07
